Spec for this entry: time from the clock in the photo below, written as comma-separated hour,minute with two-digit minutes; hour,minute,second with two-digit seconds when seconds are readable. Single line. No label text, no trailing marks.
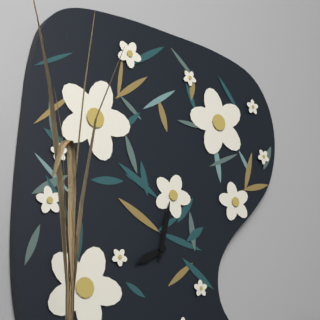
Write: 8,02
